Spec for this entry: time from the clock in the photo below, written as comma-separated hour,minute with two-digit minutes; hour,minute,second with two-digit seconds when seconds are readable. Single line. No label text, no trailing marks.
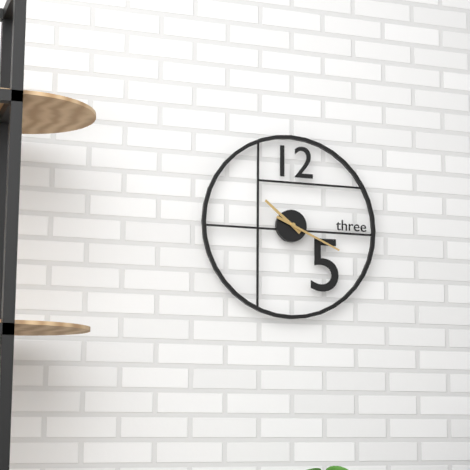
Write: 10,19
